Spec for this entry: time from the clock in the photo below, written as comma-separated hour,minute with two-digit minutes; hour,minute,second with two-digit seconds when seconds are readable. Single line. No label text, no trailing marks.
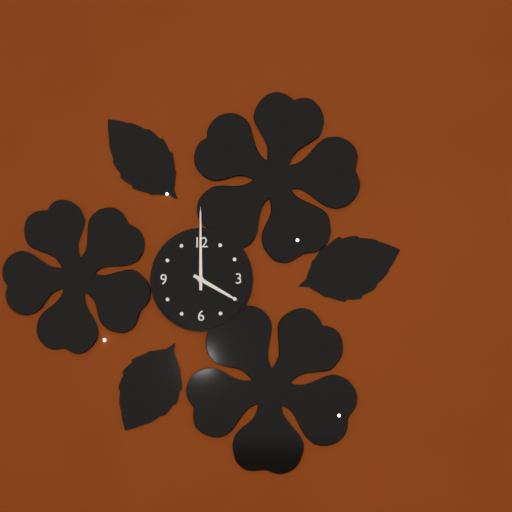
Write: 4,00
